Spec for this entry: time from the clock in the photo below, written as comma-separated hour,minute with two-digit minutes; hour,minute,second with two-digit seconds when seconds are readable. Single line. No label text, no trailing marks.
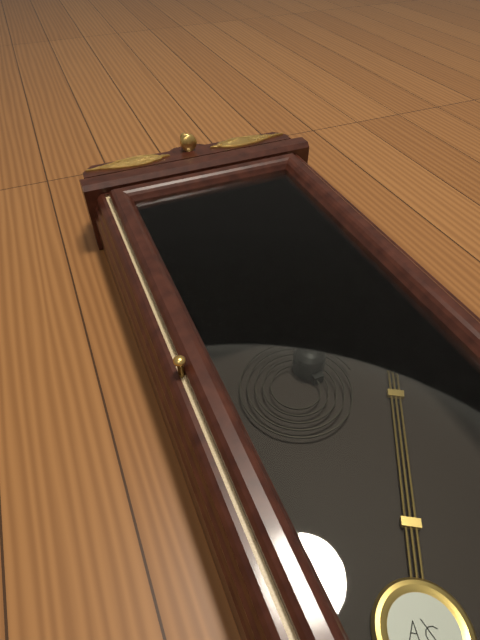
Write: 11,47
